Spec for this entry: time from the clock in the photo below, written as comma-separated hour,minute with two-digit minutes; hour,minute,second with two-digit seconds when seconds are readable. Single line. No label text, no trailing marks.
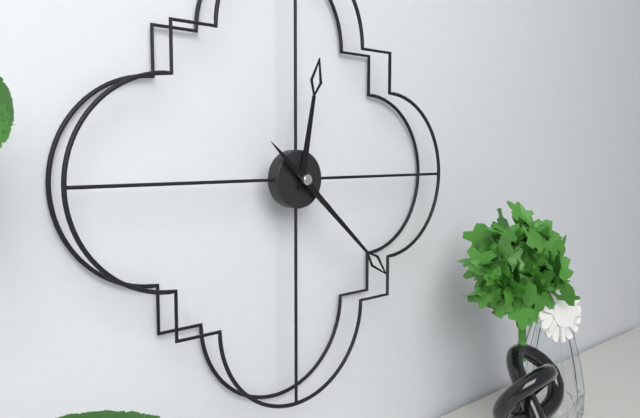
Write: 12,22
